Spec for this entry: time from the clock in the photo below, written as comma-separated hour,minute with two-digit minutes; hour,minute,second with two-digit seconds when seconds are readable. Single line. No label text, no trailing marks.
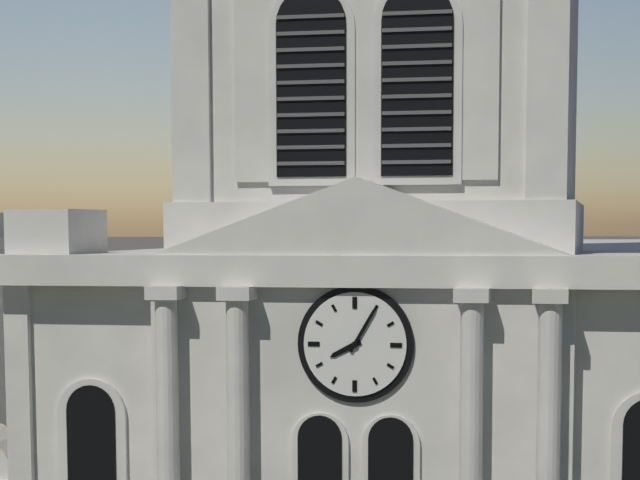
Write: 8,05
